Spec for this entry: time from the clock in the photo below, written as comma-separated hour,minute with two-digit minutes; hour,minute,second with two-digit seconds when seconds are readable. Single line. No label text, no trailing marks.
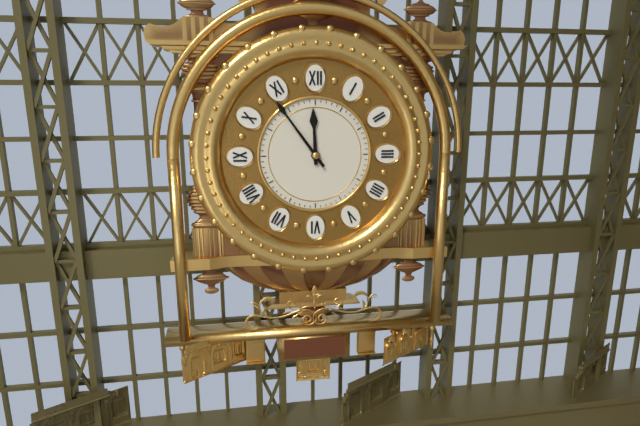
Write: 11,54
